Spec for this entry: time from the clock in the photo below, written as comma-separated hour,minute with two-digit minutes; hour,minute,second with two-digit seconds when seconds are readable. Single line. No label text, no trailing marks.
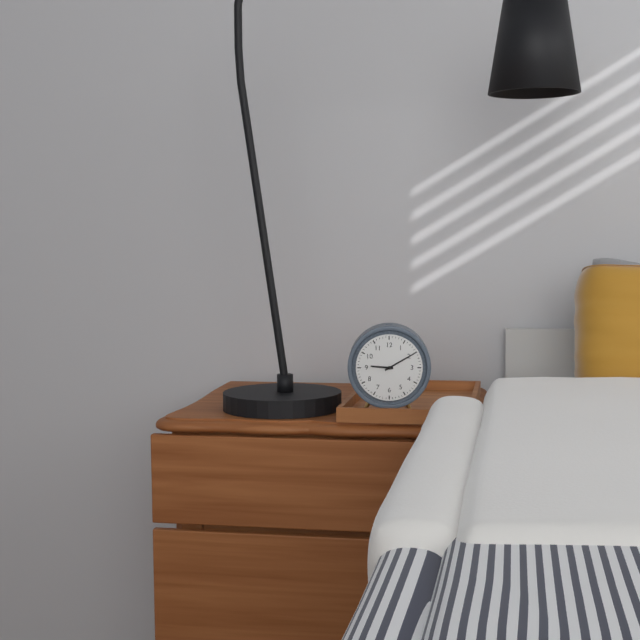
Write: 9,10
